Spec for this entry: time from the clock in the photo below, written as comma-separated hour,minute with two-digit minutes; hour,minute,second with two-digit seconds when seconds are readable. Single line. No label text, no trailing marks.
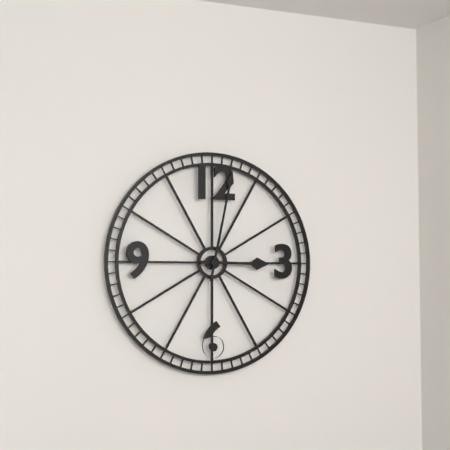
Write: 3,02
